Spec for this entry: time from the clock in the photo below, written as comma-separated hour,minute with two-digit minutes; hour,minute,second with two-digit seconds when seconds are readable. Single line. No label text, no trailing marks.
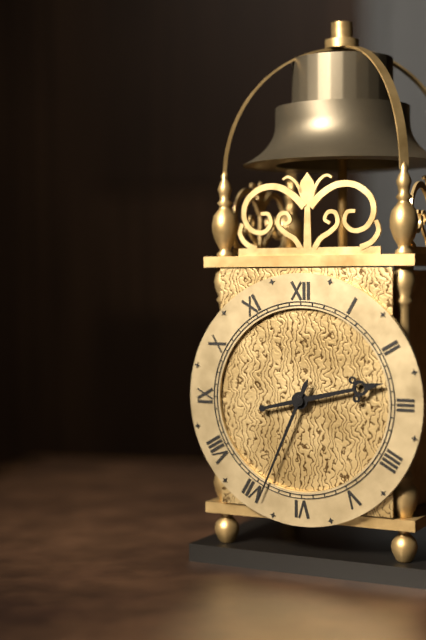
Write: 2,34
